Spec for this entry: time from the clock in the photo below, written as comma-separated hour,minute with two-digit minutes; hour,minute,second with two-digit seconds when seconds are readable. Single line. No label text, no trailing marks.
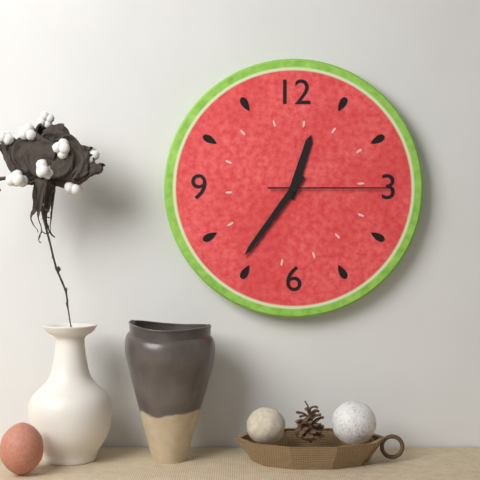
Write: 12,36,15
